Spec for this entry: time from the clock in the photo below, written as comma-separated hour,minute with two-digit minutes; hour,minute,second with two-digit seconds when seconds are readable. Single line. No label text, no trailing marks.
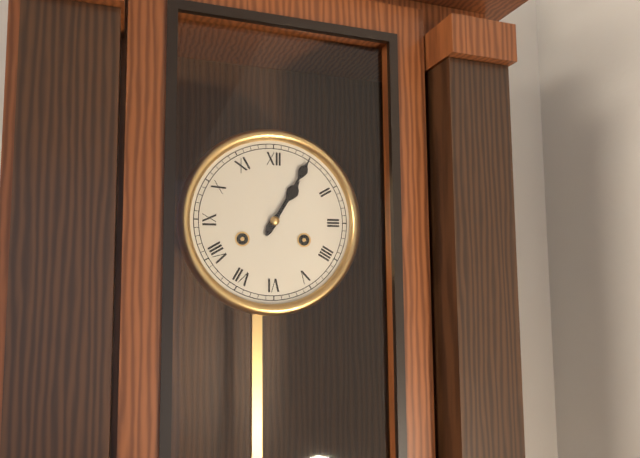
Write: 1,05
